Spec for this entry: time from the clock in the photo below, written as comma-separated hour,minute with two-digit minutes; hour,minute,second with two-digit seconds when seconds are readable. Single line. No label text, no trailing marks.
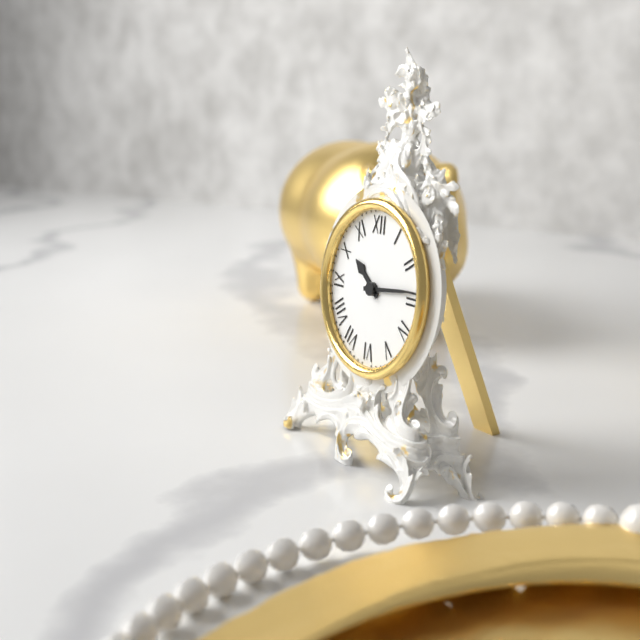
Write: 10,14
